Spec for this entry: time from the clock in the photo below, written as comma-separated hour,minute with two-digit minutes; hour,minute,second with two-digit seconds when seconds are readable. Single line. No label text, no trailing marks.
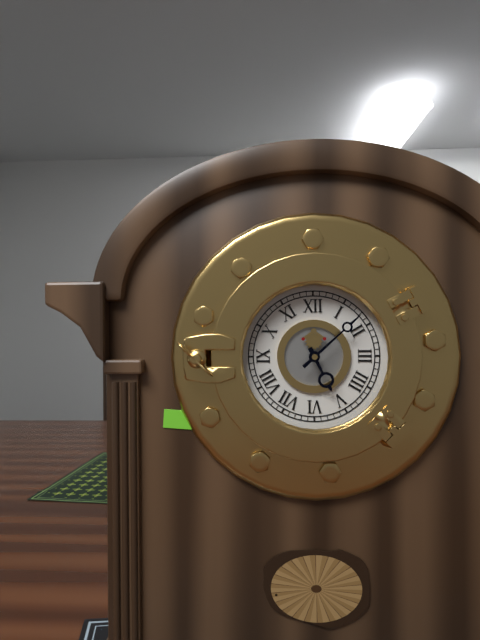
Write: 5,08
